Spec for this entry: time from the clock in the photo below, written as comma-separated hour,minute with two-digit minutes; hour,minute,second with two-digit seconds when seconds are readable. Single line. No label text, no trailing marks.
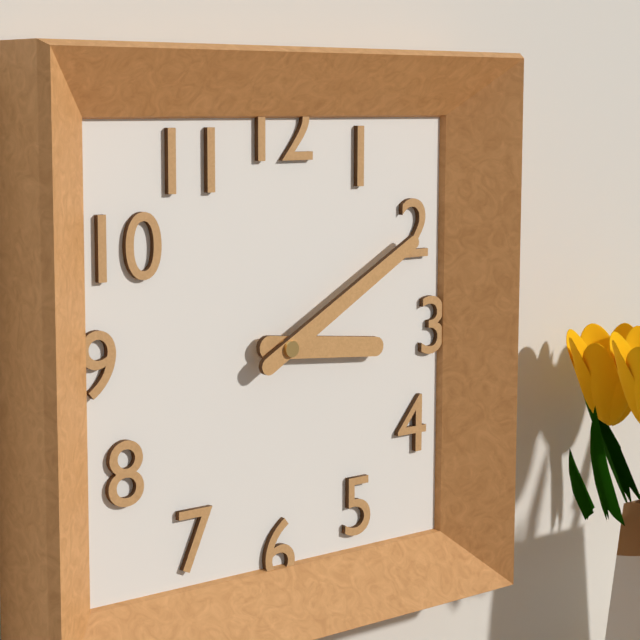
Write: 3,10
